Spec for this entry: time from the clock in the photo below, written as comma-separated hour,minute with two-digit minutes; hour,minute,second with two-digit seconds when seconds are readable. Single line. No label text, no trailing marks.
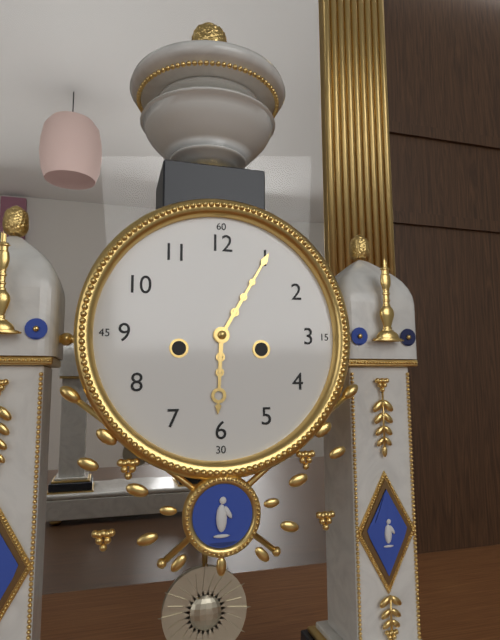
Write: 6,05
